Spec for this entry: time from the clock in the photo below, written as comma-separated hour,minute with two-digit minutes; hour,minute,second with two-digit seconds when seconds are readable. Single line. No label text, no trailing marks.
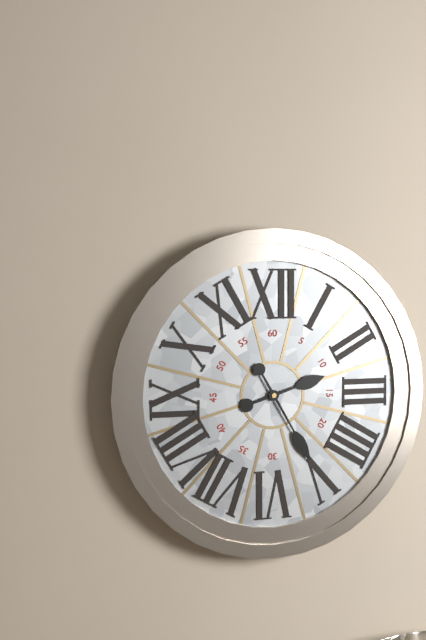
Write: 2,25
